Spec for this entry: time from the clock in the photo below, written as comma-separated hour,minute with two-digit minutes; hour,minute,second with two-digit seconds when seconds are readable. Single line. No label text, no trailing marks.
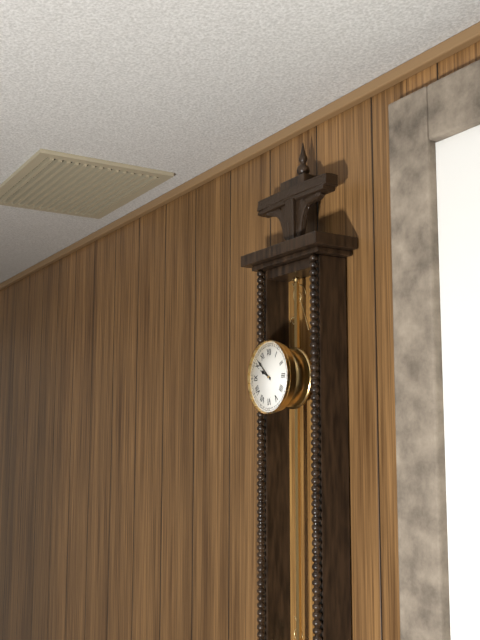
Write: 9,52
